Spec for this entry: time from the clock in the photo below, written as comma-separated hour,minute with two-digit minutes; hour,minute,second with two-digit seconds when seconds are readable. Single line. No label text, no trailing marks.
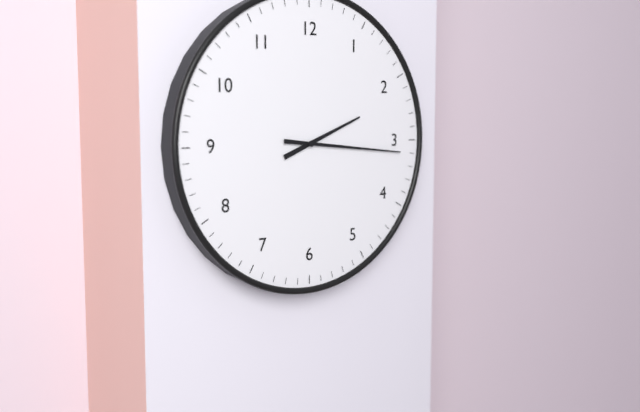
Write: 2,16
